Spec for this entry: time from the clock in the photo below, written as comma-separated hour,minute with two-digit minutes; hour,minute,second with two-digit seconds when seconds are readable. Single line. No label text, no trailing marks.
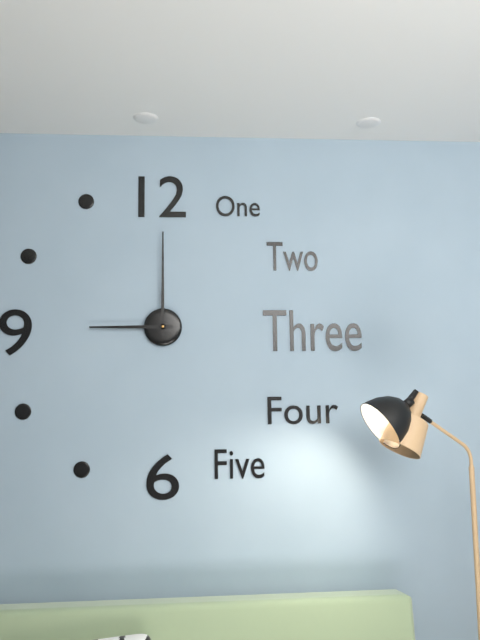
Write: 9,00
